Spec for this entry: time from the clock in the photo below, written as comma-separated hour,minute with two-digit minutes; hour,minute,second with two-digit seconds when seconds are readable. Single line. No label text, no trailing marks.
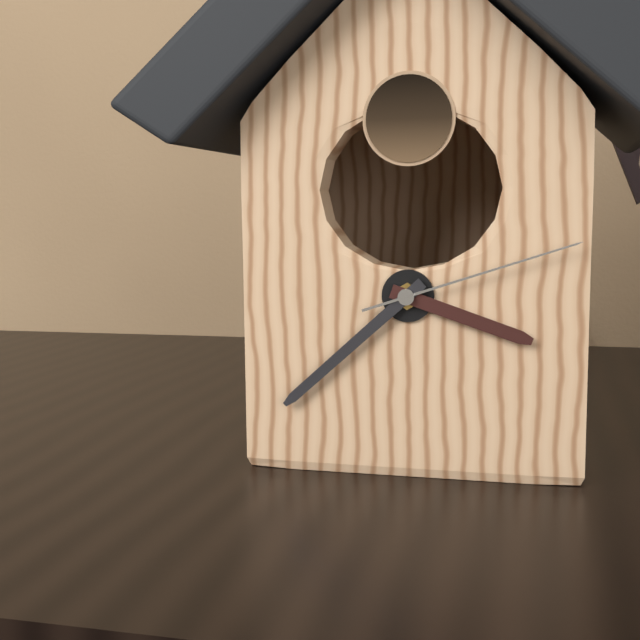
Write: 3,38,12
